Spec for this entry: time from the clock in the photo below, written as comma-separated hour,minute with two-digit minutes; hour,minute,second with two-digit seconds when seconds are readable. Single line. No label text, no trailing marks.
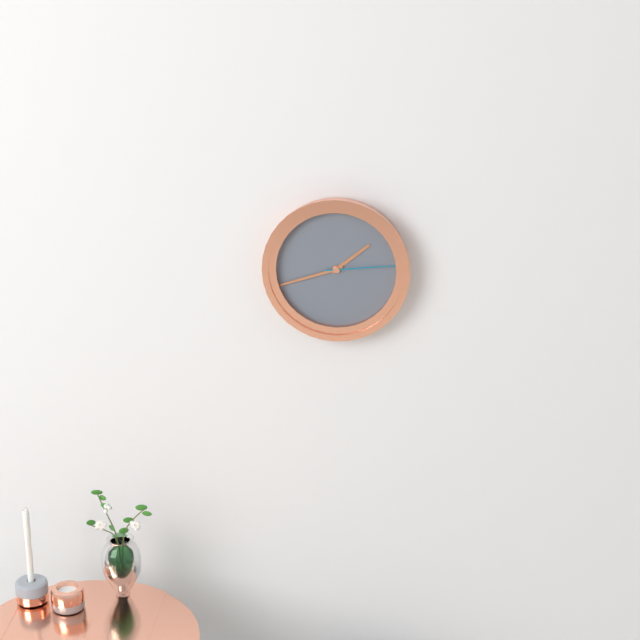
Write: 1,42,14
